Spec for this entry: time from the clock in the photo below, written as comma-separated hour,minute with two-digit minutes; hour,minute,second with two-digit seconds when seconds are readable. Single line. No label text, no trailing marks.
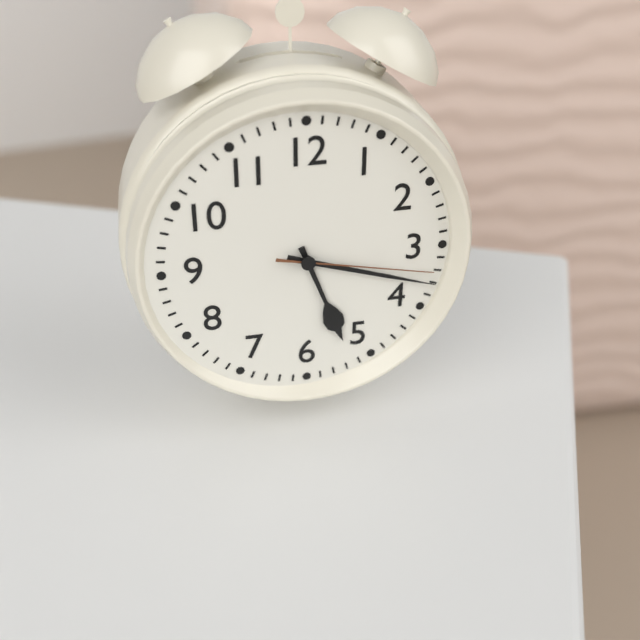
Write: 5,18,17
